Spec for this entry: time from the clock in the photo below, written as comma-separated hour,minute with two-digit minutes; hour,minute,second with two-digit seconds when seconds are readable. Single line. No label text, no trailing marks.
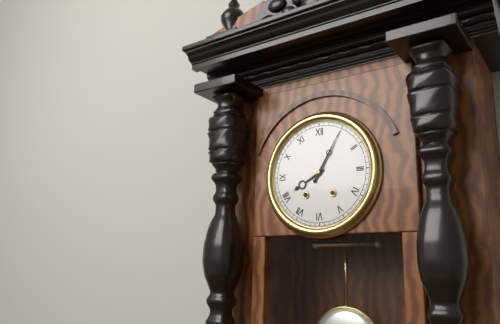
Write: 8,05
